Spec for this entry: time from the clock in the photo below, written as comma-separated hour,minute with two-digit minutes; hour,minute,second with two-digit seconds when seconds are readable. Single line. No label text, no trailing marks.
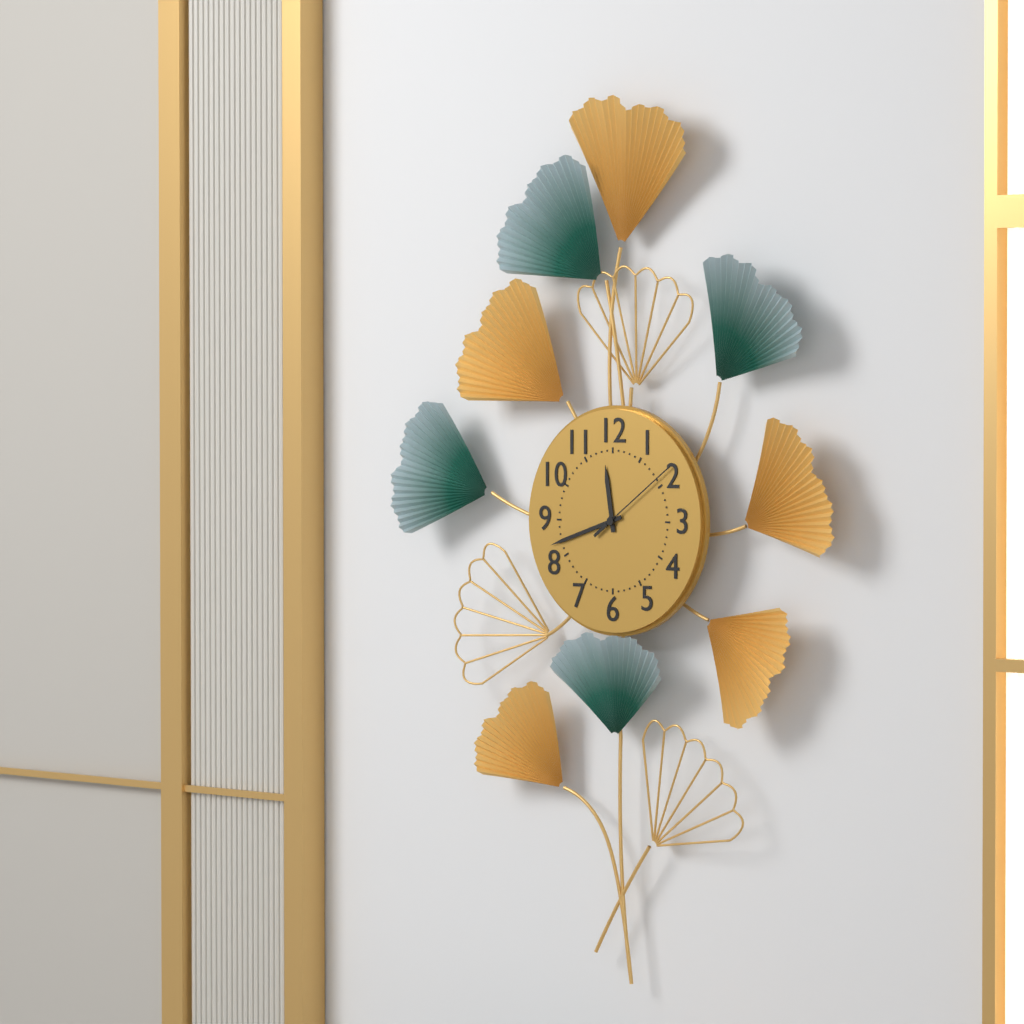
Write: 11,42,09
